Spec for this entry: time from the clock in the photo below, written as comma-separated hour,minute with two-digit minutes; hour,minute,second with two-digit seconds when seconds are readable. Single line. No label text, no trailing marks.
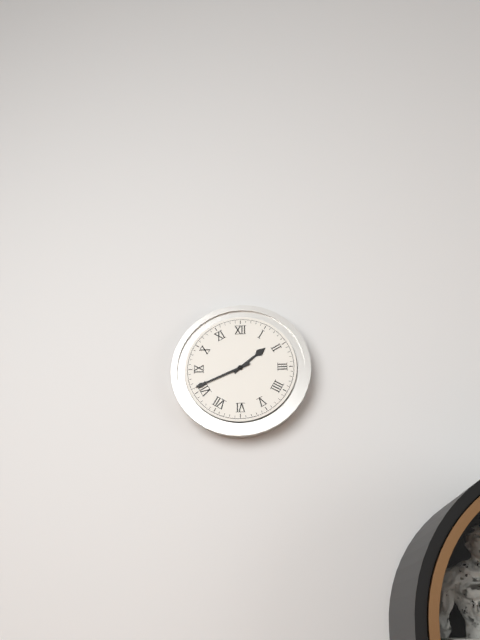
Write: 1,41
